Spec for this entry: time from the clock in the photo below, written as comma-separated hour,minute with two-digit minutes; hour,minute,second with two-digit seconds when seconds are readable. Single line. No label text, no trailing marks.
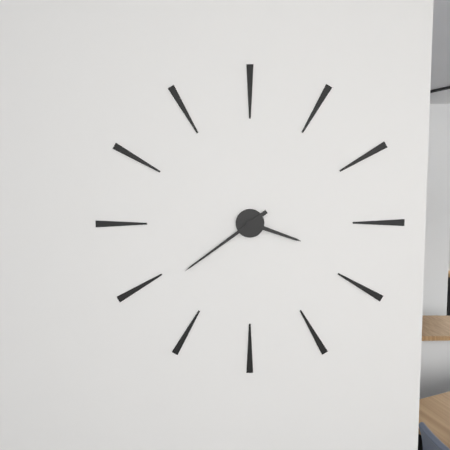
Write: 3,39
